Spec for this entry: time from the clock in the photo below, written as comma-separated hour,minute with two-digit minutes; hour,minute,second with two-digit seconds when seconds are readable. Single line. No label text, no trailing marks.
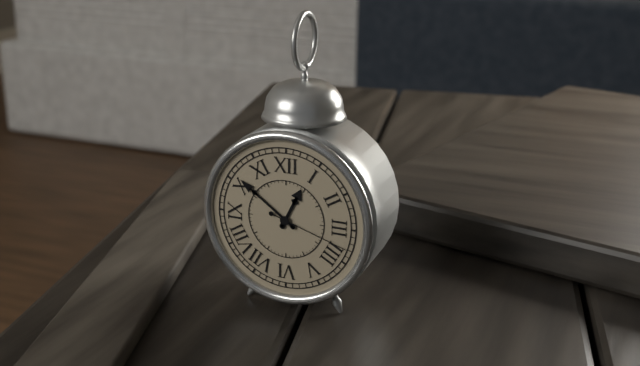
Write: 12,51,18
